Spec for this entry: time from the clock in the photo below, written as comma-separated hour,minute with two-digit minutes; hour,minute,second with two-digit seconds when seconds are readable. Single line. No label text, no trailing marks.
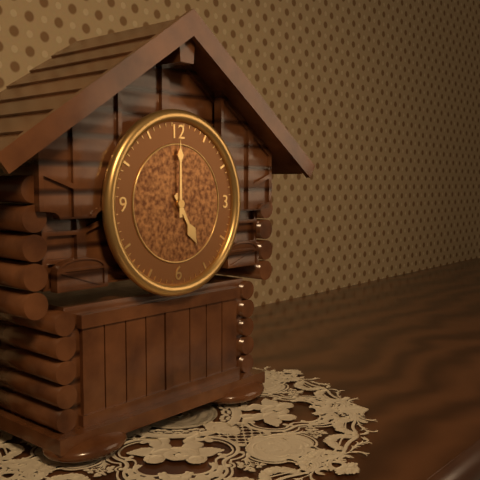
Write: 5,00
